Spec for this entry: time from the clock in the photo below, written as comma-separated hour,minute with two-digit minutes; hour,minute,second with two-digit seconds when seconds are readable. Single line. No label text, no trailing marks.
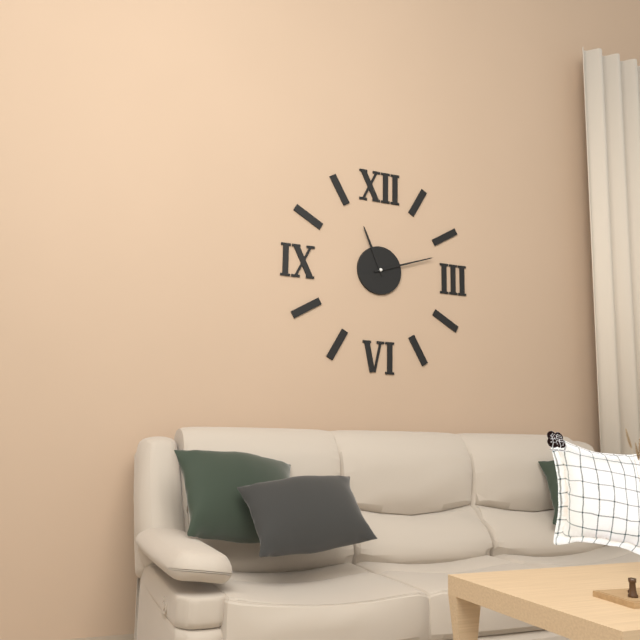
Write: 11,12
